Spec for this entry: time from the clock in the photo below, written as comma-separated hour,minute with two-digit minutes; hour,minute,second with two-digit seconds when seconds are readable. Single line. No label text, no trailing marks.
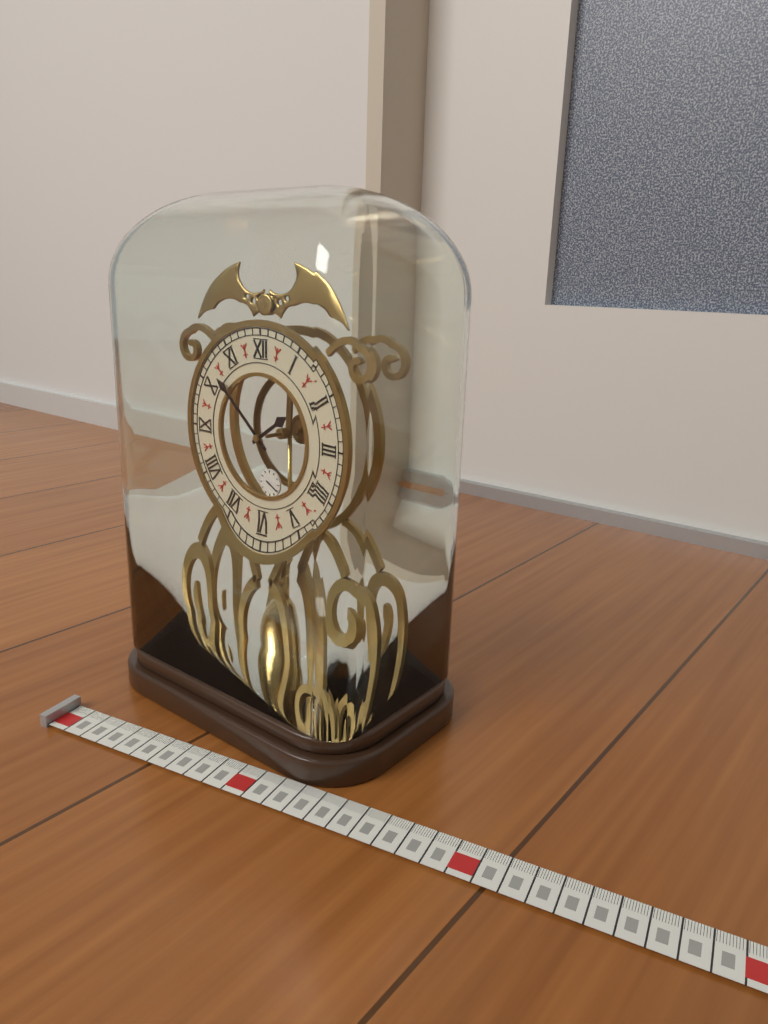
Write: 1,52
